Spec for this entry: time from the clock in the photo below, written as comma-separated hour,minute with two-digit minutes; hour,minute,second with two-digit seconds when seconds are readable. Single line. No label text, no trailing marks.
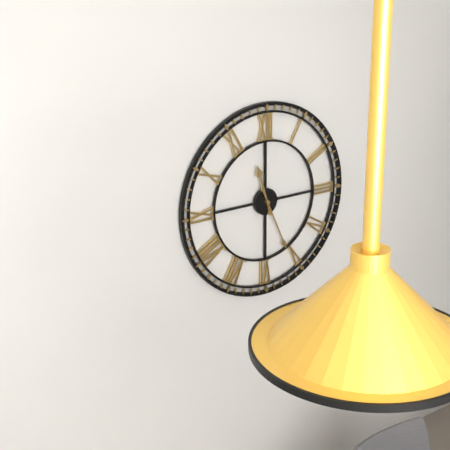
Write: 11,26
